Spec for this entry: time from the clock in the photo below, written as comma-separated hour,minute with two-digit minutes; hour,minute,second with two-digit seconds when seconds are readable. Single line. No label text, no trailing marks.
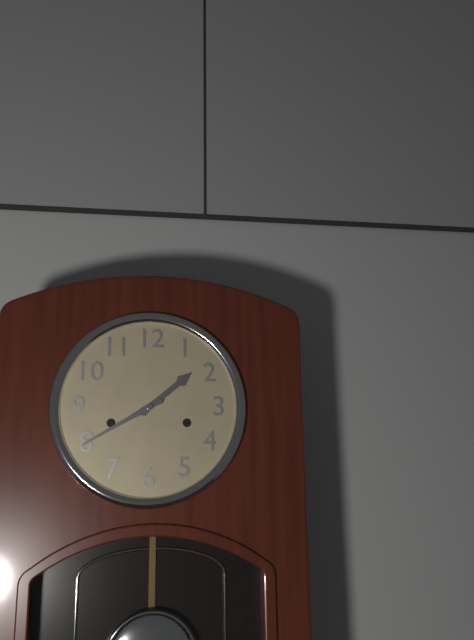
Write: 1,40
